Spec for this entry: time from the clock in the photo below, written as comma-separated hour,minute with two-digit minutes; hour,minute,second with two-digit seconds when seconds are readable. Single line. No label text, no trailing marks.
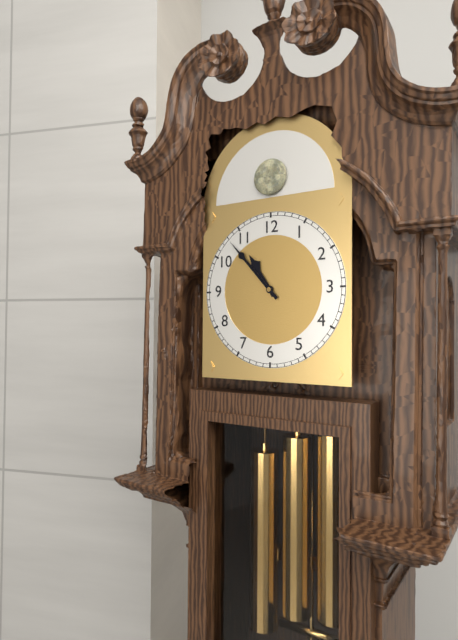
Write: 10,53
